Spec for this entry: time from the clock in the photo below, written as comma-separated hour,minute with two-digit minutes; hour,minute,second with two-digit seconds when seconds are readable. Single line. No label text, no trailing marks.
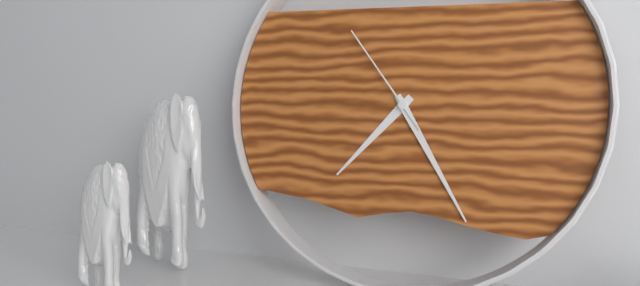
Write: 7,25,54
